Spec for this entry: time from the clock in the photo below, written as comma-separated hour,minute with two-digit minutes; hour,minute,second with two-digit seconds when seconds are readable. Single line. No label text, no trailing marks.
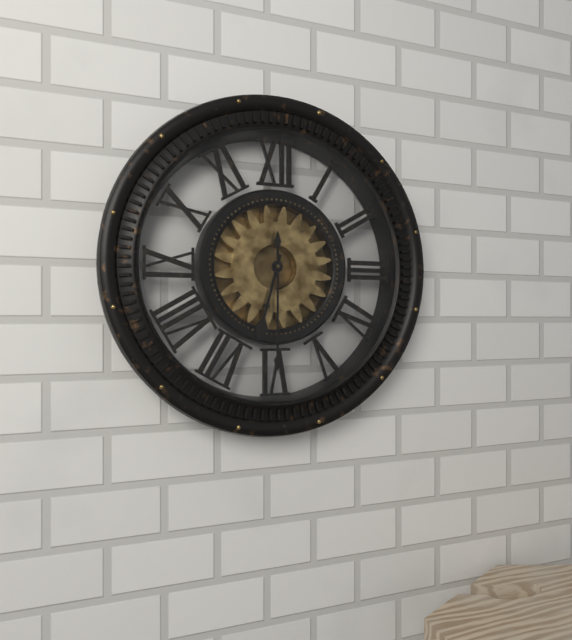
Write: 6,30
